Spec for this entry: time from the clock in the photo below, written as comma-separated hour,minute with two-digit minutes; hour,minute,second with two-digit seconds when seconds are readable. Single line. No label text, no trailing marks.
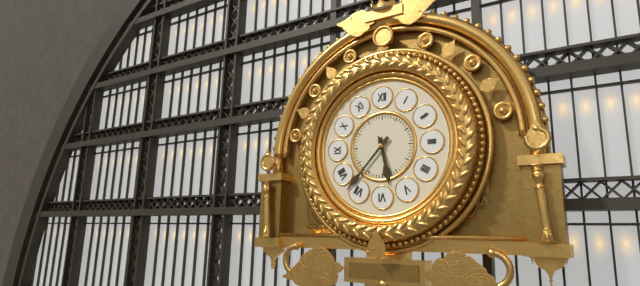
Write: 5,37
